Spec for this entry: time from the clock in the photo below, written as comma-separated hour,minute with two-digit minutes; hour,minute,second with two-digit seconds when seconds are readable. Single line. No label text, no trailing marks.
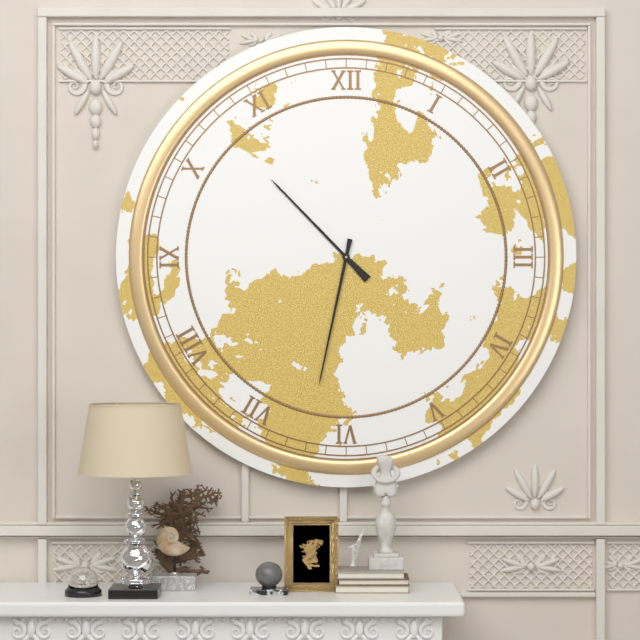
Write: 10,32
